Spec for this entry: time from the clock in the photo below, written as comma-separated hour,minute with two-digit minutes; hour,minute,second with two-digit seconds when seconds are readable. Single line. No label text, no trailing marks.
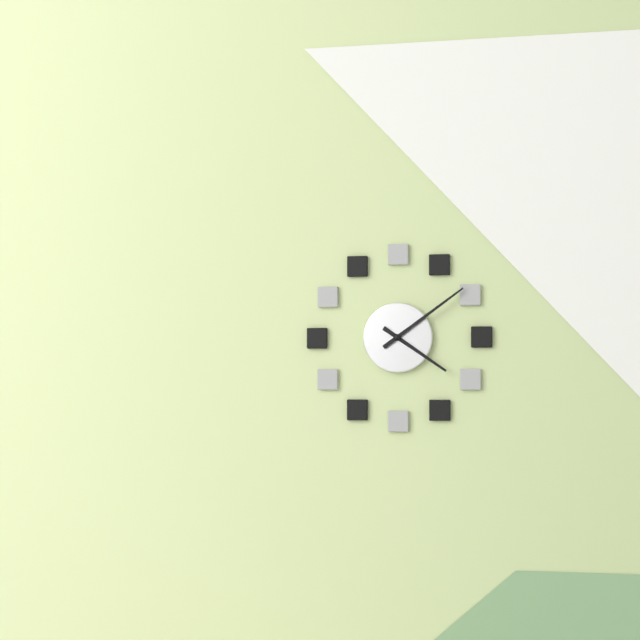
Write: 4,09
